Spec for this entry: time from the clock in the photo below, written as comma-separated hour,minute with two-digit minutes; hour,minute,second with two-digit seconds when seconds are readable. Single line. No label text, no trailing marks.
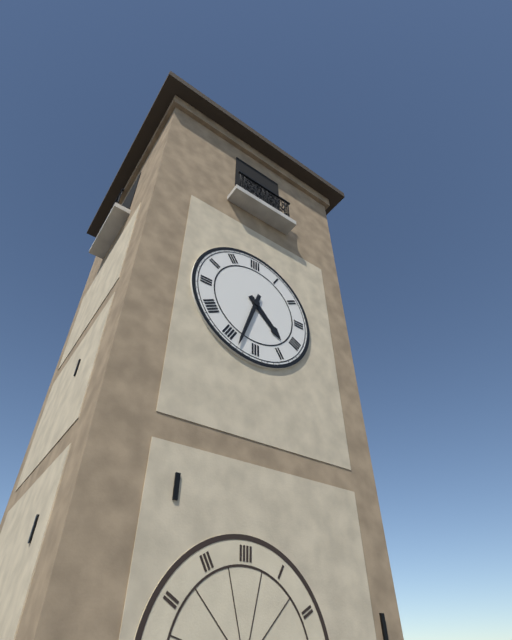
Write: 4,33
